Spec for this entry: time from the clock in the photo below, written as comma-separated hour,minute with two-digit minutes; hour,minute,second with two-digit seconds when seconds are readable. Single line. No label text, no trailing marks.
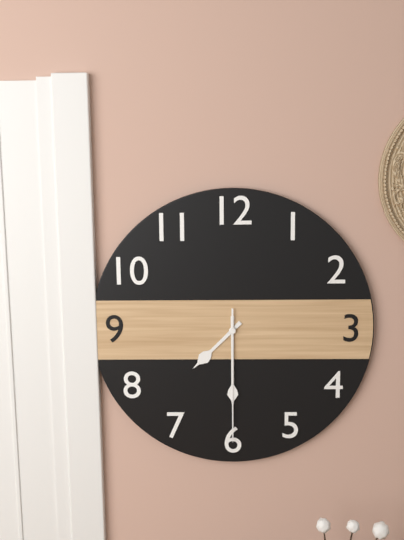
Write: 7,30,30
